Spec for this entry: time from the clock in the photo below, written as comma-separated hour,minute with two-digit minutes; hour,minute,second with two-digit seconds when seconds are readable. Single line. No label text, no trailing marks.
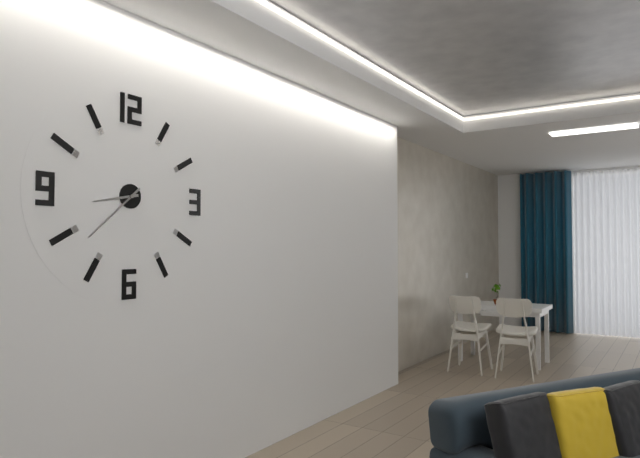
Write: 8,38
